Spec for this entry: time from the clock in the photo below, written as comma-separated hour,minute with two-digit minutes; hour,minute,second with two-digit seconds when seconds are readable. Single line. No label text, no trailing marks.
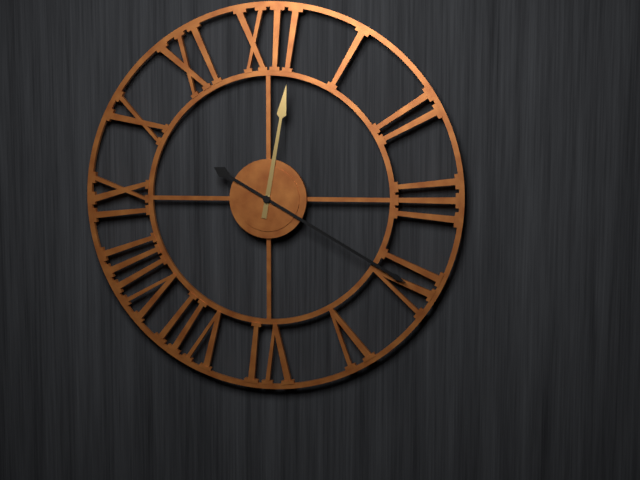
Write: 12,20
